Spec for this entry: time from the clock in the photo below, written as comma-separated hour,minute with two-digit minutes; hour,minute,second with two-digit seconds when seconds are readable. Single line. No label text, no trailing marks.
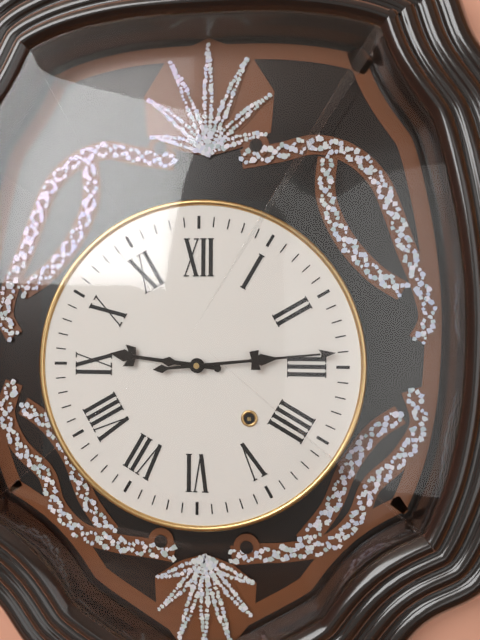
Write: 9,14
